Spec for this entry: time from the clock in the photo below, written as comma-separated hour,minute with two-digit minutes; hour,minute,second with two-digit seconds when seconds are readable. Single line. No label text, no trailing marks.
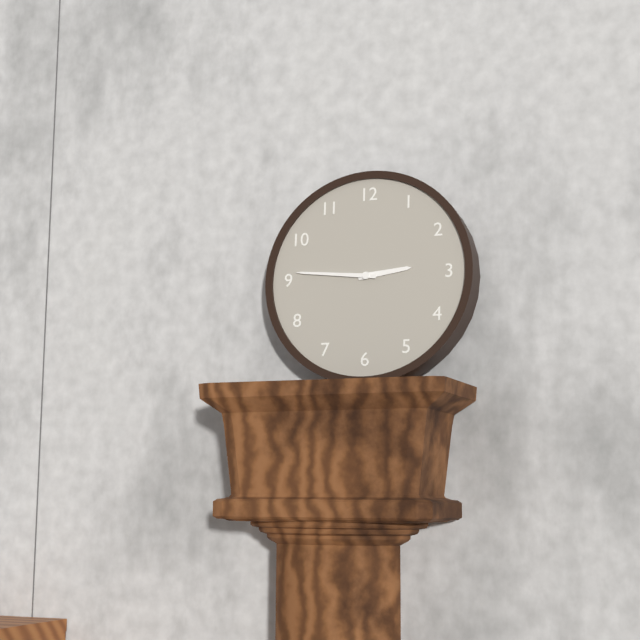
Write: 2,46
